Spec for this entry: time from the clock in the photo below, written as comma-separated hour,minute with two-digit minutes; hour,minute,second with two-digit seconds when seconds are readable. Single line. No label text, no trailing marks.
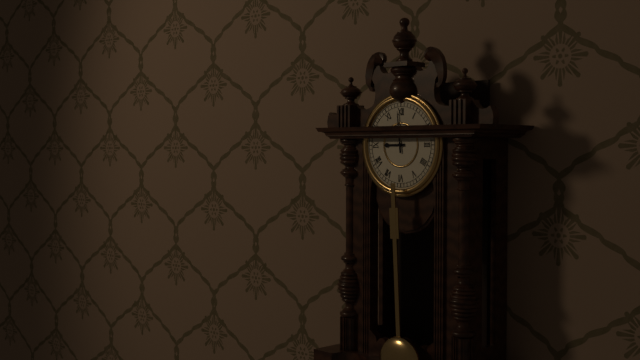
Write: 8,59
